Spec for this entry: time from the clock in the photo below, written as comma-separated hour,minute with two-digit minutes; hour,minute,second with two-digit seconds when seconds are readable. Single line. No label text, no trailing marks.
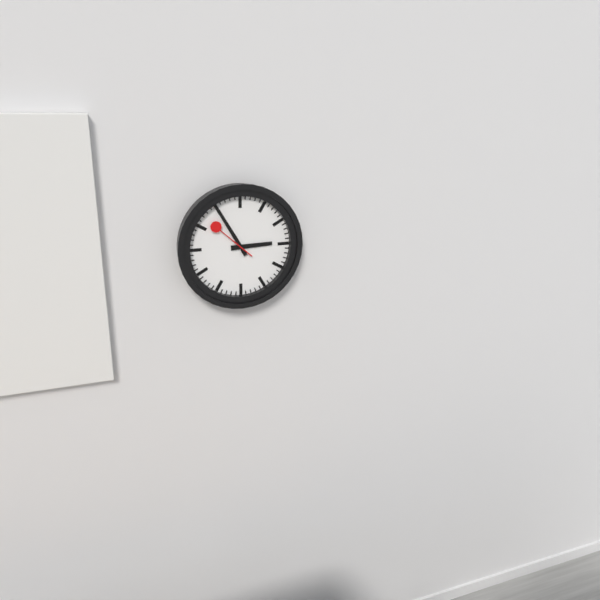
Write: 2,55
